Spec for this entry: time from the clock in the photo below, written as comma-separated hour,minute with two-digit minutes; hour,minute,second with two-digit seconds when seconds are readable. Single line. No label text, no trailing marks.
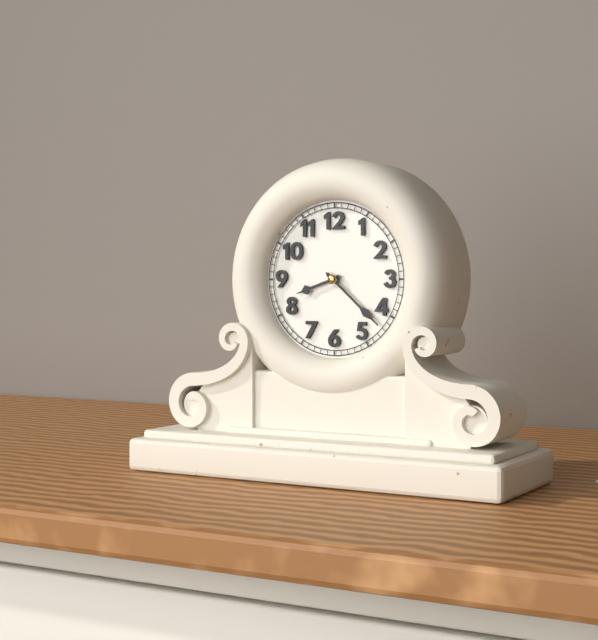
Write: 8,22
